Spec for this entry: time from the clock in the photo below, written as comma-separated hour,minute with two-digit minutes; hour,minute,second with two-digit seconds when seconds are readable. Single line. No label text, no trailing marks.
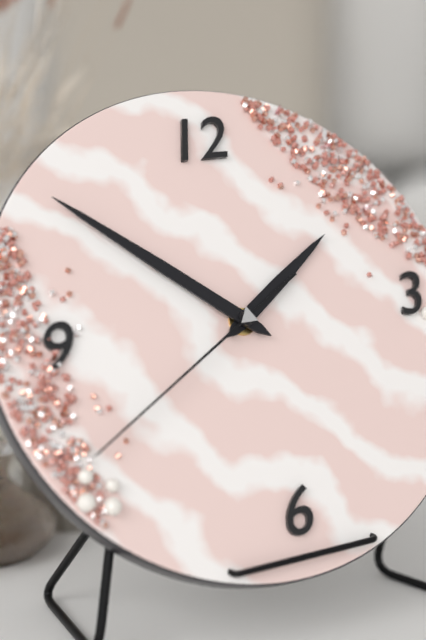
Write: 1,52,40
